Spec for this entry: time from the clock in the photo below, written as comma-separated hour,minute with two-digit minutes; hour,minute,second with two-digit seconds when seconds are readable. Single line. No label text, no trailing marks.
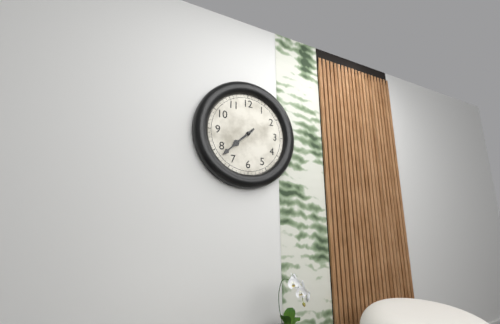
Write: 7,38
